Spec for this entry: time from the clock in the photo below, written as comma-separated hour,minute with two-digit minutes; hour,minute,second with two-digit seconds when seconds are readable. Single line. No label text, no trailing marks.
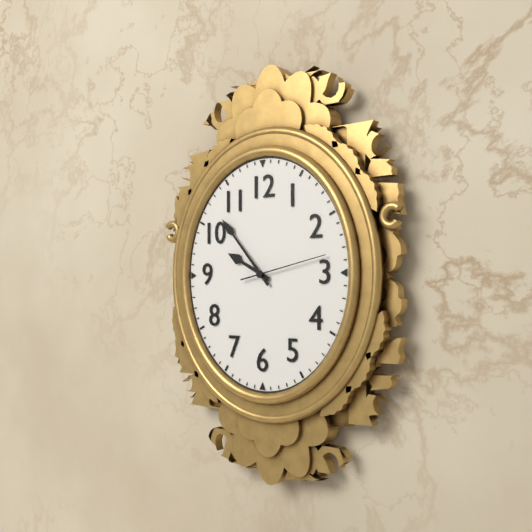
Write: 9,53,13
